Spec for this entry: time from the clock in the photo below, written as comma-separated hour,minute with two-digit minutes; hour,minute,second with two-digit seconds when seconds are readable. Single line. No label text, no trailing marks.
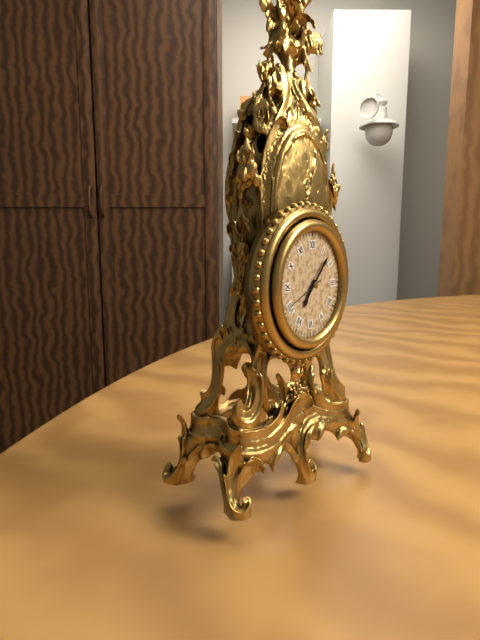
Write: 7,07
